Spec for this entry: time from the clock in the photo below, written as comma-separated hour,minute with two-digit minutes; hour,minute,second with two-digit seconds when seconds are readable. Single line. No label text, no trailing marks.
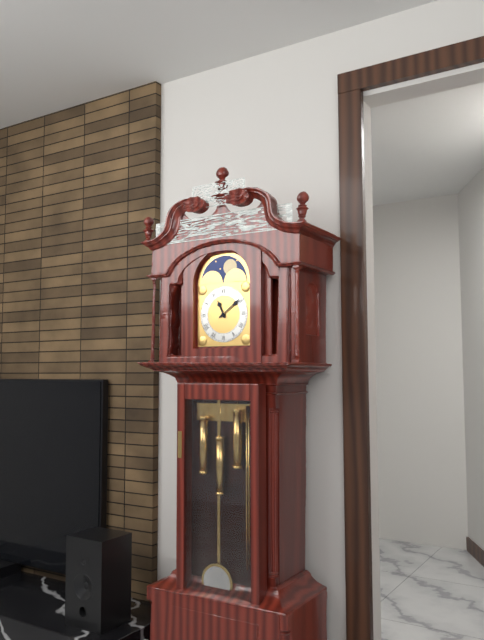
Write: 11,09
